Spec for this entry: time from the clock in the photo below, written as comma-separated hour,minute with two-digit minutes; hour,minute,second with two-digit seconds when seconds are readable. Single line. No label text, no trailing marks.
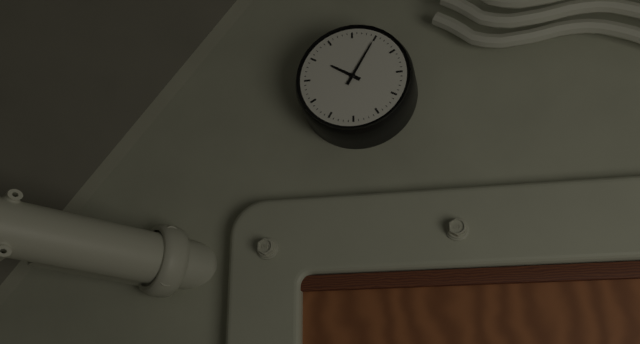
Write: 10,05
